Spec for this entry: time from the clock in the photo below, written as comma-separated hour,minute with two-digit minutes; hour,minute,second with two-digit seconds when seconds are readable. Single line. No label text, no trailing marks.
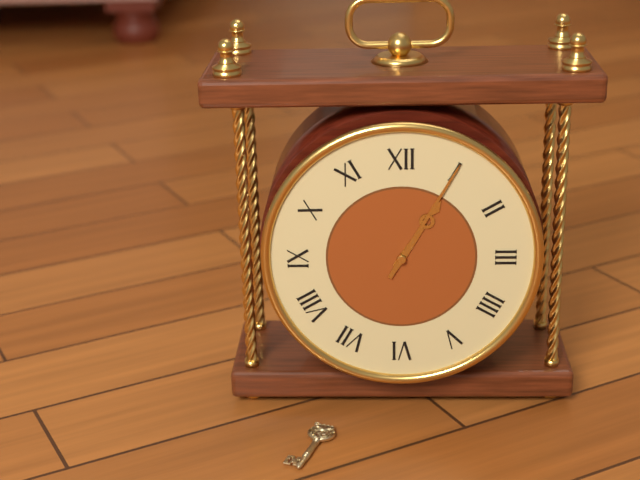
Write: 1,05
